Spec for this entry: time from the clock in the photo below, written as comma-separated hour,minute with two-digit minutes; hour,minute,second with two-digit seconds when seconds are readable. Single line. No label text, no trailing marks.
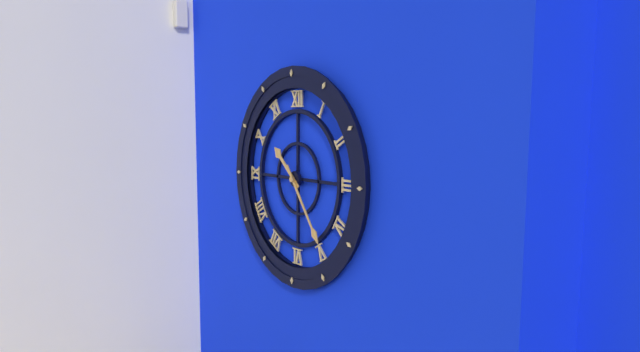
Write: 10,24
